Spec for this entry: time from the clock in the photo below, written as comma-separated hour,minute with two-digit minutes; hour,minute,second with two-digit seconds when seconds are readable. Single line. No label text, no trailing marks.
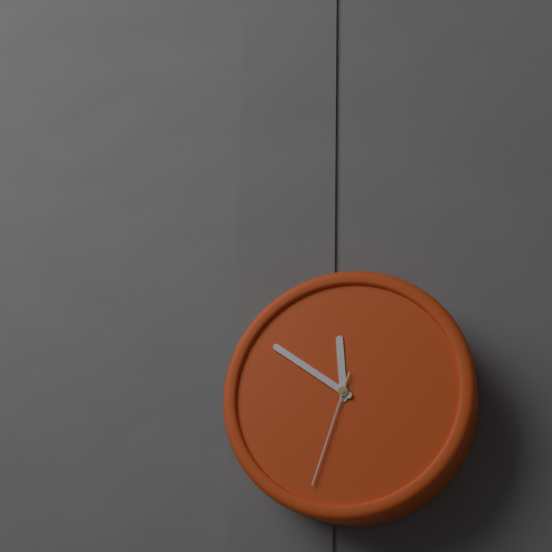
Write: 11,51,33
